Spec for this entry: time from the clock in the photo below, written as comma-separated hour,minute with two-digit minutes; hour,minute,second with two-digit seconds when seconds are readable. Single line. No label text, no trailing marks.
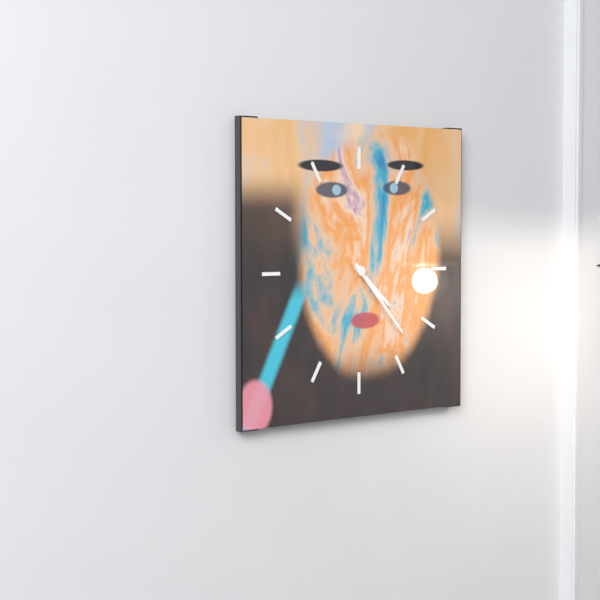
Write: 4,23
